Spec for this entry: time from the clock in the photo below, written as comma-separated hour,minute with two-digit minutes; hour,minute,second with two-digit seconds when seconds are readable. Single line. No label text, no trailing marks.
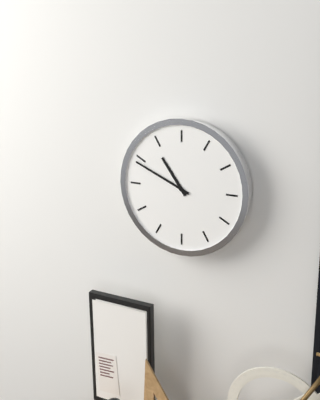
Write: 10,49
